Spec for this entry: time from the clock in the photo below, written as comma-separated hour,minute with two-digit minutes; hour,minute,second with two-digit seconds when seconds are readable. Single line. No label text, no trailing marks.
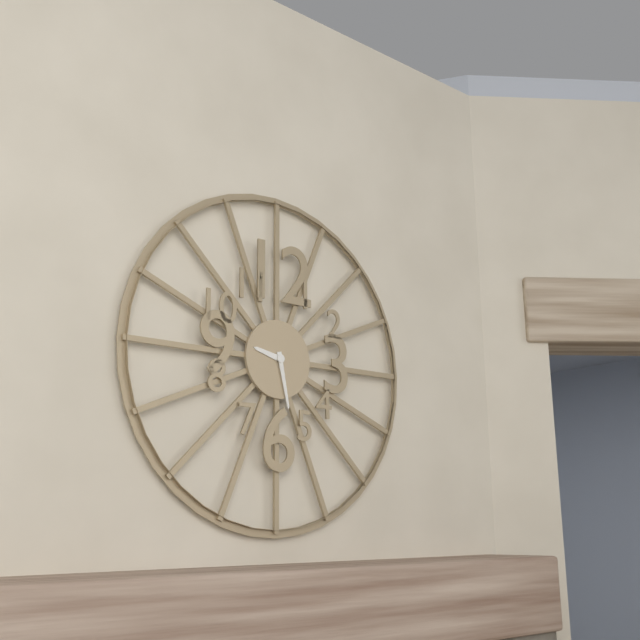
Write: 9,28
